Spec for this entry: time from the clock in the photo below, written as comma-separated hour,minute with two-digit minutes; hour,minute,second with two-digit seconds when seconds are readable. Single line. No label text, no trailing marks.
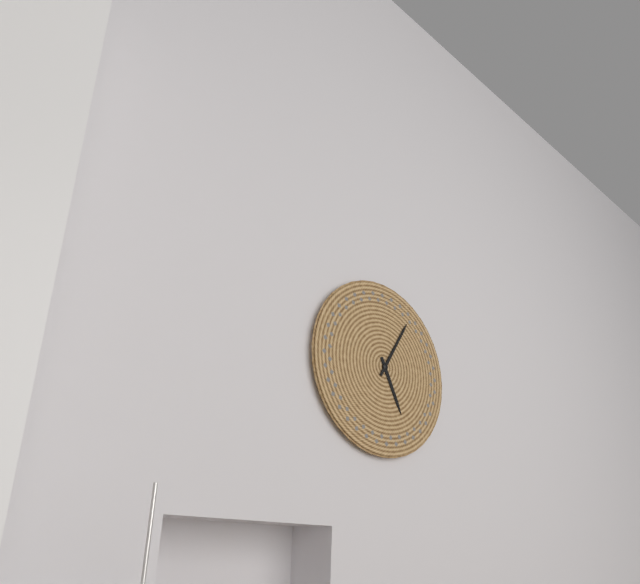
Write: 5,05
